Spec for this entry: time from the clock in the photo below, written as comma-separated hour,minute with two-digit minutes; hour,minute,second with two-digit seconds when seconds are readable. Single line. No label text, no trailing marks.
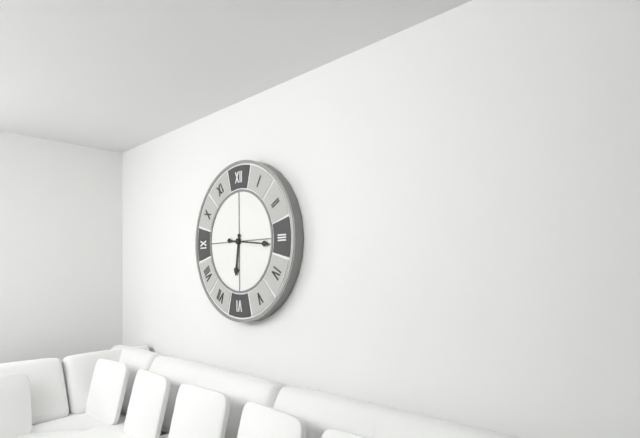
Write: 6,16
